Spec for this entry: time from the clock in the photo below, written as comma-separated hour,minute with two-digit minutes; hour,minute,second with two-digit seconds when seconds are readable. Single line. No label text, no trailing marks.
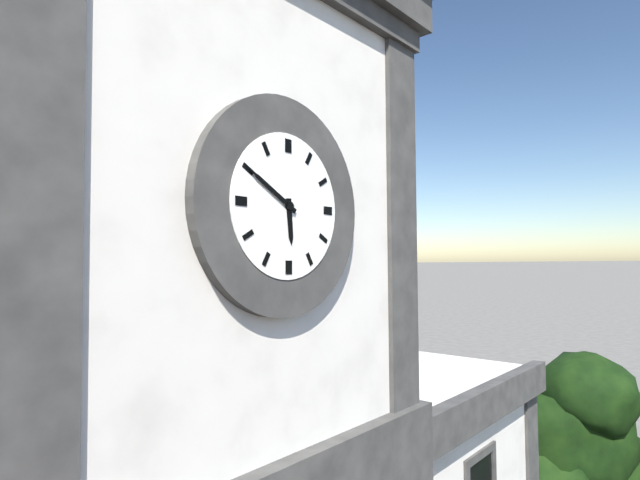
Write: 5,50
